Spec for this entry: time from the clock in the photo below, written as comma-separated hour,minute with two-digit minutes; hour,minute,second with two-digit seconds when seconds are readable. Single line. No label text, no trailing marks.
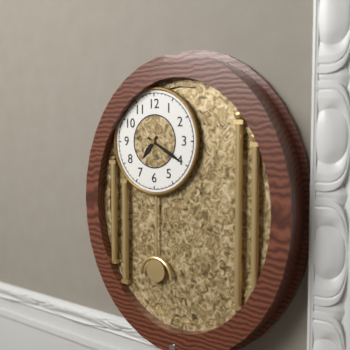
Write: 7,20
